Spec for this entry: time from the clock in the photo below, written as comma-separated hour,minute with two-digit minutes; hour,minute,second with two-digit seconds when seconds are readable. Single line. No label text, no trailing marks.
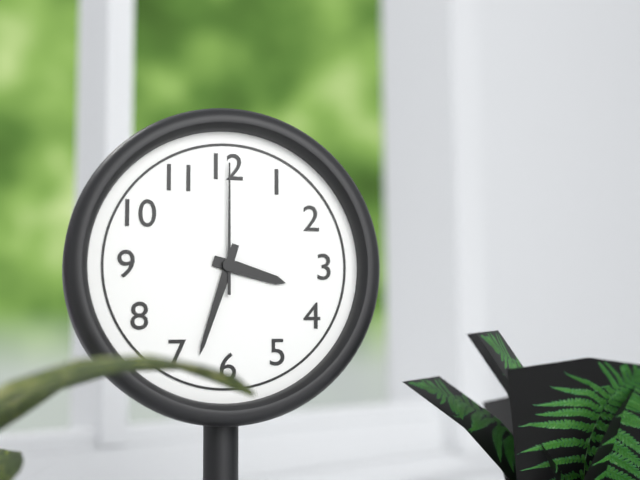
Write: 3,33,00
